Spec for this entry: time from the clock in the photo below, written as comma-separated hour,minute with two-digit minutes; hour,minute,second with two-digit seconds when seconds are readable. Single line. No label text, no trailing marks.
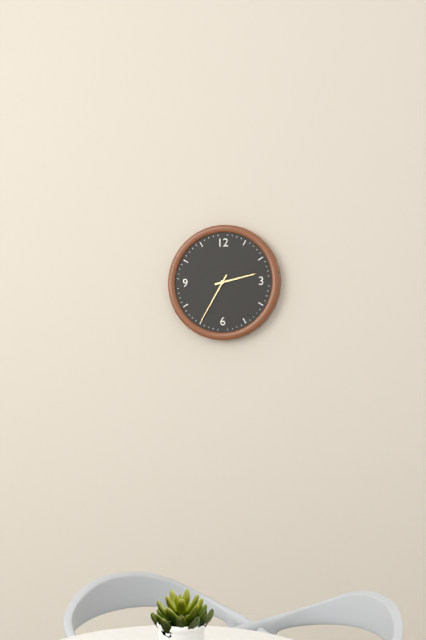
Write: 2,35
